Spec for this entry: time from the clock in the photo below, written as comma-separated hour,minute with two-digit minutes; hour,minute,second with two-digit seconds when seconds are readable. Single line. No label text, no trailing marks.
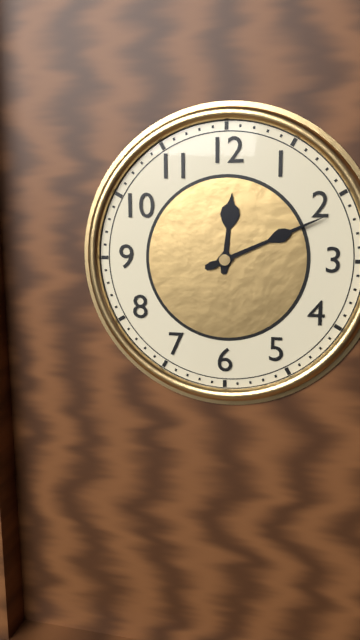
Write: 12,11
